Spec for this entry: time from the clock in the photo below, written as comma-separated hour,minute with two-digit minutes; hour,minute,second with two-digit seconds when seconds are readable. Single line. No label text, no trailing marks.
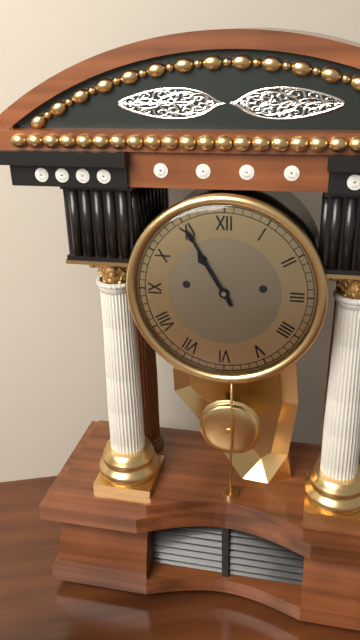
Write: 10,55
